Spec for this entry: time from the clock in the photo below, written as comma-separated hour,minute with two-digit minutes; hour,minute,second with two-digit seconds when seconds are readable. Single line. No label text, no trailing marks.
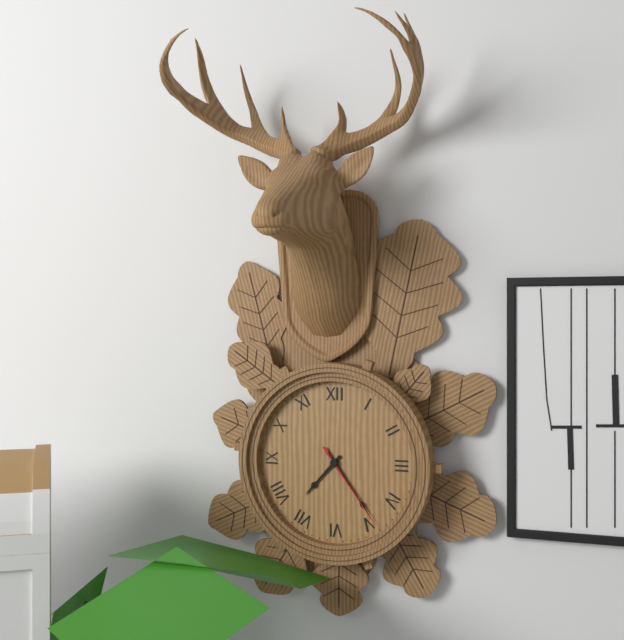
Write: 7,24,24
